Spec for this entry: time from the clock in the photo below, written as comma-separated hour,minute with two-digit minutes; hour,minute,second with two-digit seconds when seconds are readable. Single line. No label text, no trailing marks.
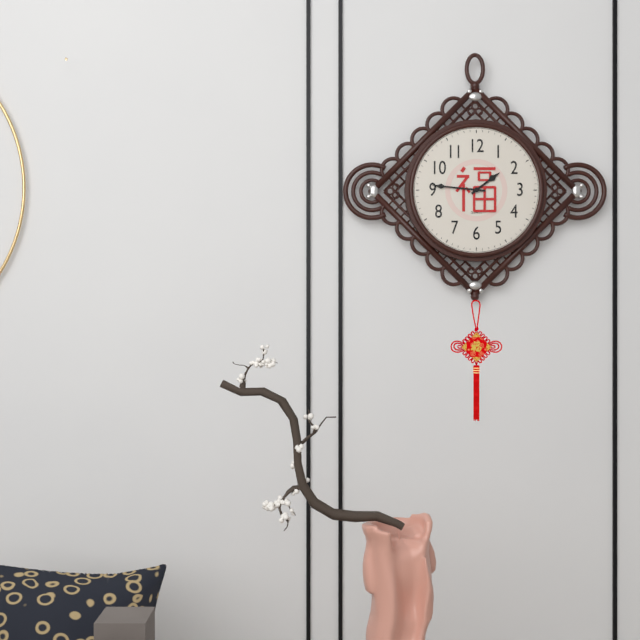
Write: 1,46
